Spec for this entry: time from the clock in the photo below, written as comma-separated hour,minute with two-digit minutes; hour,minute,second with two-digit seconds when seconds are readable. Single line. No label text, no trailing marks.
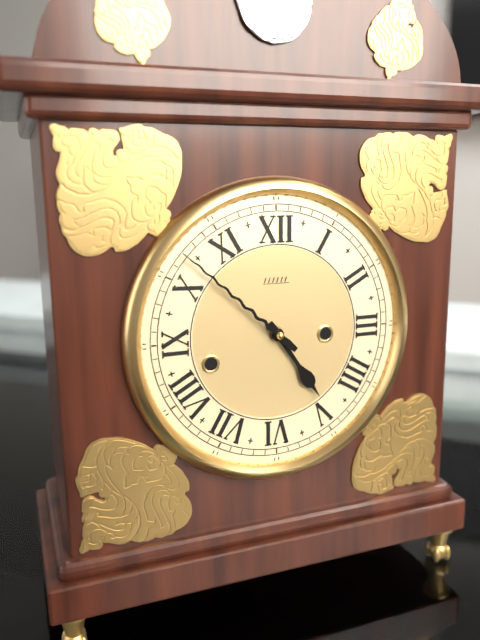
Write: 4,52
